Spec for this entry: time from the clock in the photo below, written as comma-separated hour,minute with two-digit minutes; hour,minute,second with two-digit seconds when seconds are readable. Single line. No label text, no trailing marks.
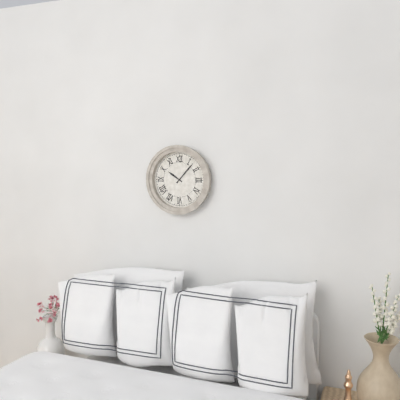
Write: 10,07
